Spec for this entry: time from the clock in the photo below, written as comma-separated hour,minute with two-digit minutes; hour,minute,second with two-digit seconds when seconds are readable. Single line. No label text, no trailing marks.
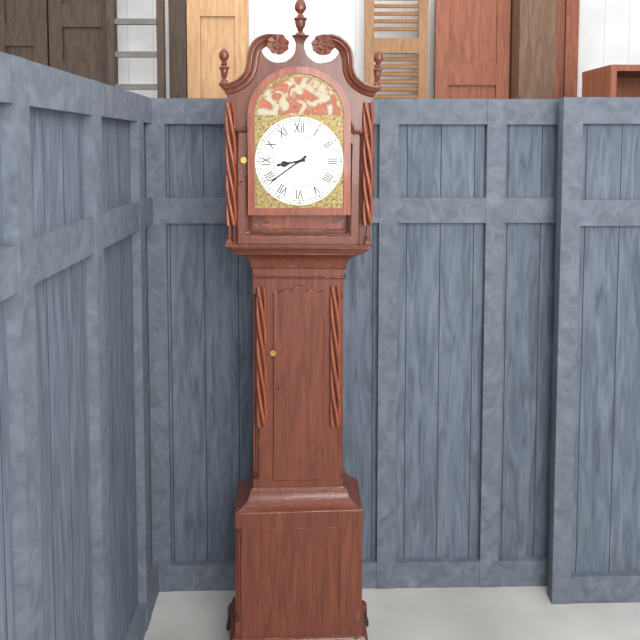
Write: 8,39
